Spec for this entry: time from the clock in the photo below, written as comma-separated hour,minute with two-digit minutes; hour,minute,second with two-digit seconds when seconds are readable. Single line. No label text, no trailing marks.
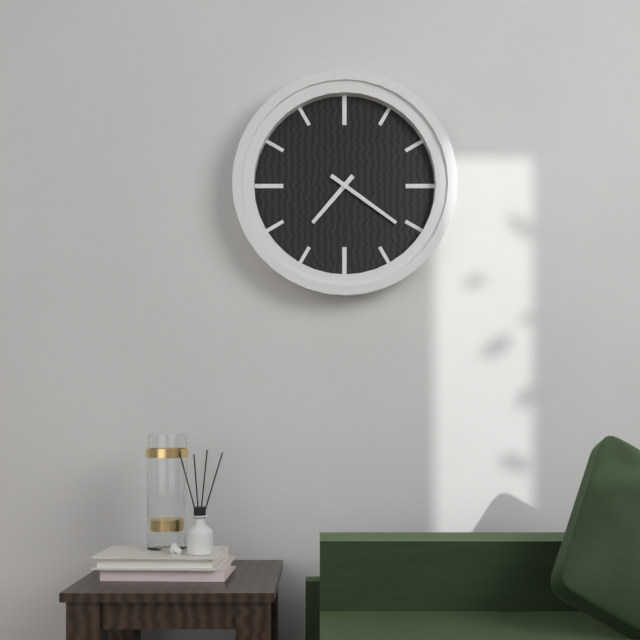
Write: 7,21
